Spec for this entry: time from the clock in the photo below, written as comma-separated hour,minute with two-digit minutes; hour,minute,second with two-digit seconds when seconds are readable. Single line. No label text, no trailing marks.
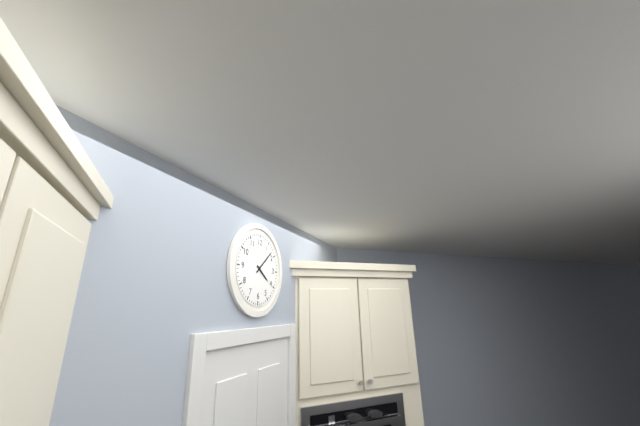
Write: 4,08
